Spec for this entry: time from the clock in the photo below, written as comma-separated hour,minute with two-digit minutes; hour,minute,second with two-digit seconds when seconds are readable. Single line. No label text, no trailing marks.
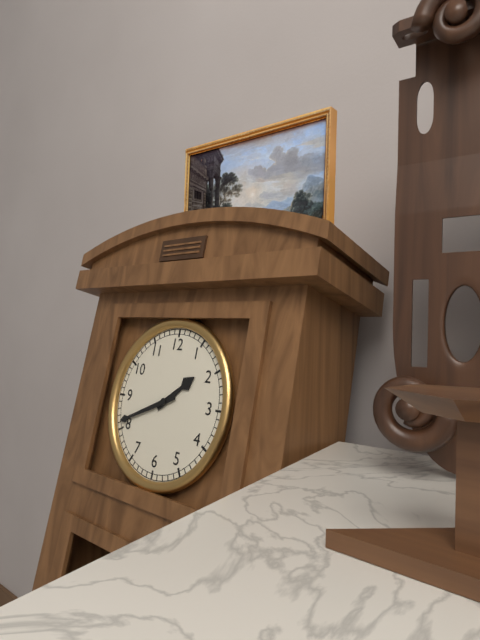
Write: 1,41
